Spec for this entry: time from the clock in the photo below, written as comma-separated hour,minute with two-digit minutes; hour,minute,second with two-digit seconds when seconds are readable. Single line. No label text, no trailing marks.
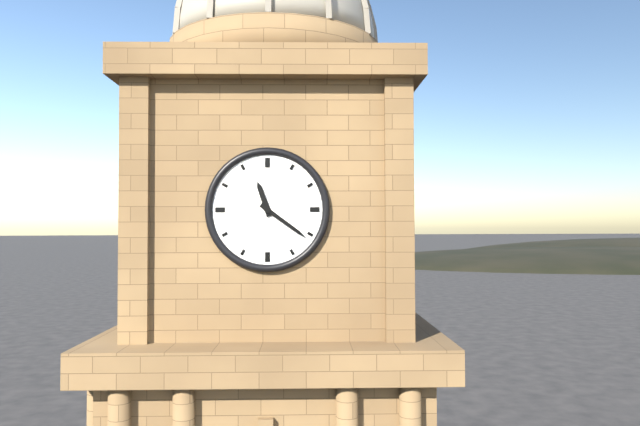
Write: 11,21
